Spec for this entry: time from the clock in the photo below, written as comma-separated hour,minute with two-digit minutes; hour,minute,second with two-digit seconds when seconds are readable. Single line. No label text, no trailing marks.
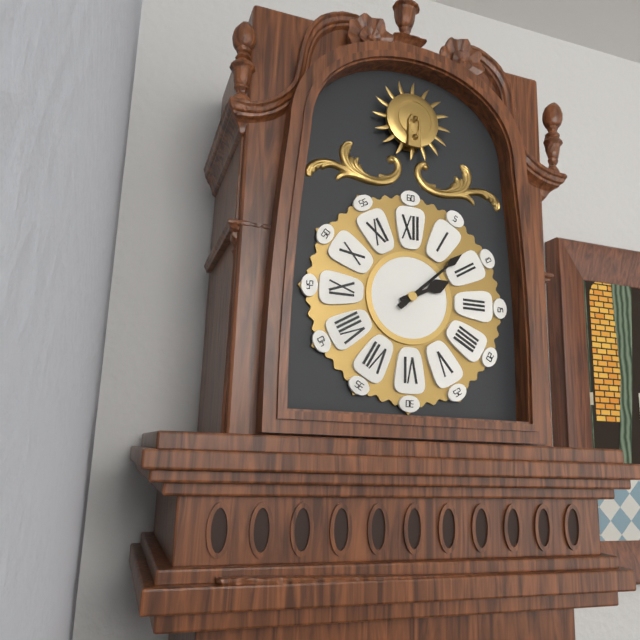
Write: 2,08
